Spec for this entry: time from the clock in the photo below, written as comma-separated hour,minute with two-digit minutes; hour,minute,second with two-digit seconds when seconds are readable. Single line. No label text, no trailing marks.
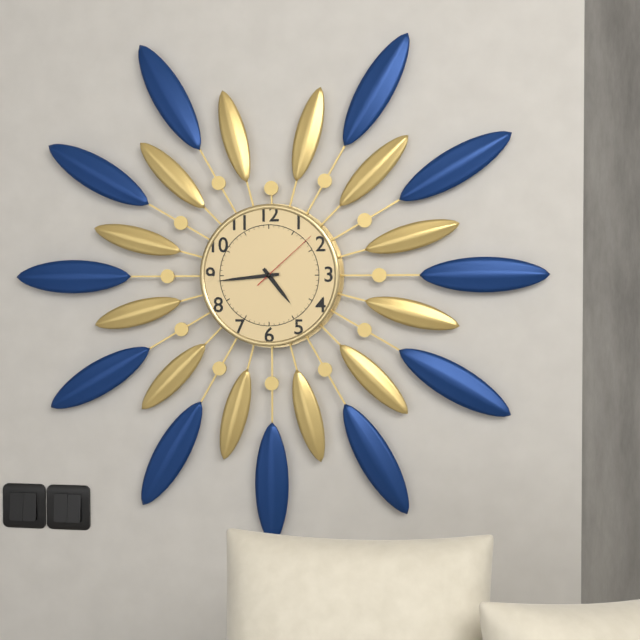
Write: 4,44,08
